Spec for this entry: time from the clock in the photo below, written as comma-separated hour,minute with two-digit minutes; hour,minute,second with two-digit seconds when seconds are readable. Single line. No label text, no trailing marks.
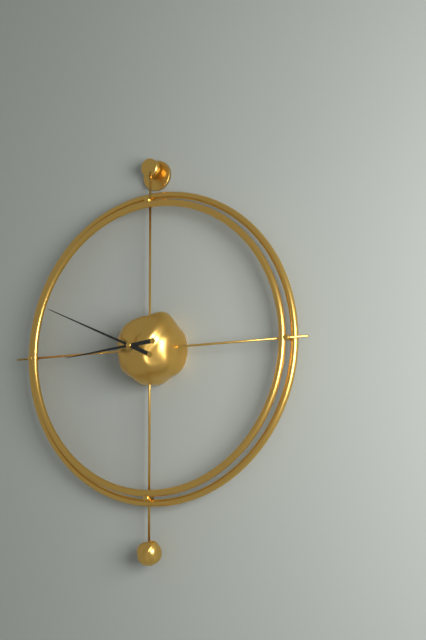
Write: 8,49
